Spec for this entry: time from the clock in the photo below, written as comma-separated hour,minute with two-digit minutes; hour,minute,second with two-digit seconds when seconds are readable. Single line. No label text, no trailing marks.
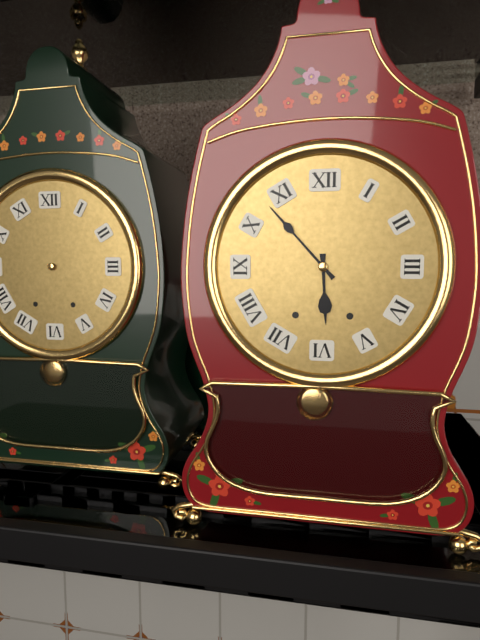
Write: 5,53
